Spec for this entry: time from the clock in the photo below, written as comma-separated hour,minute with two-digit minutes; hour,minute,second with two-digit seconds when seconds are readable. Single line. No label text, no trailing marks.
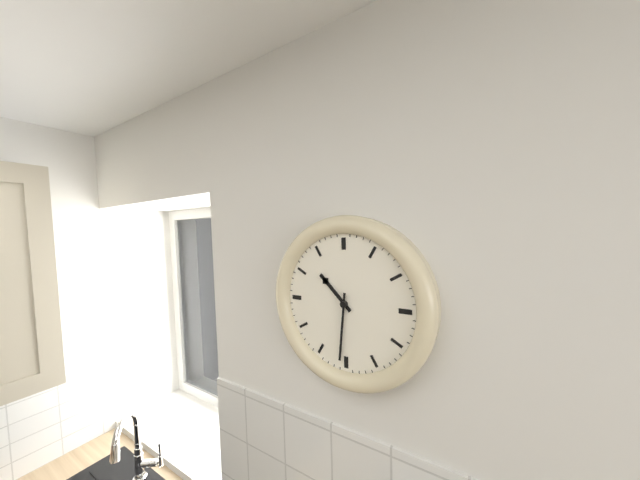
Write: 10,31
